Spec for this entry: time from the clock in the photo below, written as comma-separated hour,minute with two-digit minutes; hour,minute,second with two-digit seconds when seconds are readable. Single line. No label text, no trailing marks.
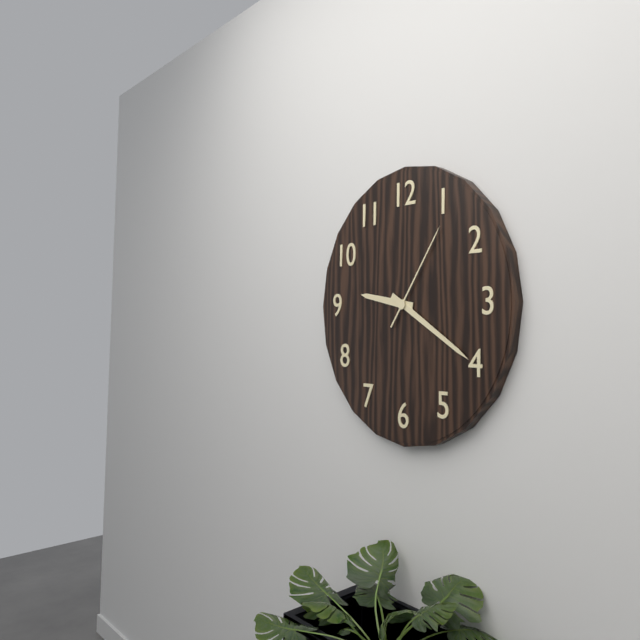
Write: 9,20,06
